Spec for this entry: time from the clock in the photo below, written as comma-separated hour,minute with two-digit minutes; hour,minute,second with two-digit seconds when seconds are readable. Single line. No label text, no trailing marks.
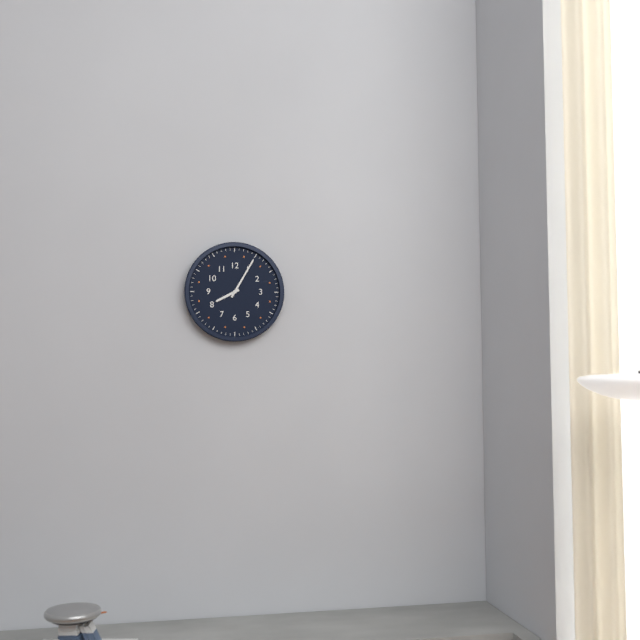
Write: 8,05
